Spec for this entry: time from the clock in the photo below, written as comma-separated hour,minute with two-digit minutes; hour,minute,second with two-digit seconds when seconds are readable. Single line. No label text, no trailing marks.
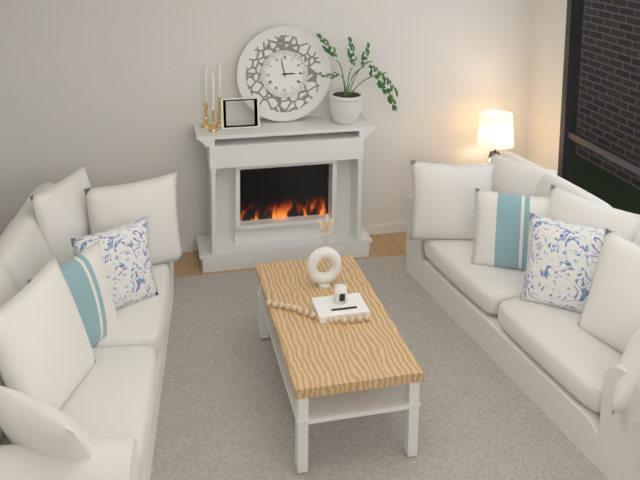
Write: 2,58
